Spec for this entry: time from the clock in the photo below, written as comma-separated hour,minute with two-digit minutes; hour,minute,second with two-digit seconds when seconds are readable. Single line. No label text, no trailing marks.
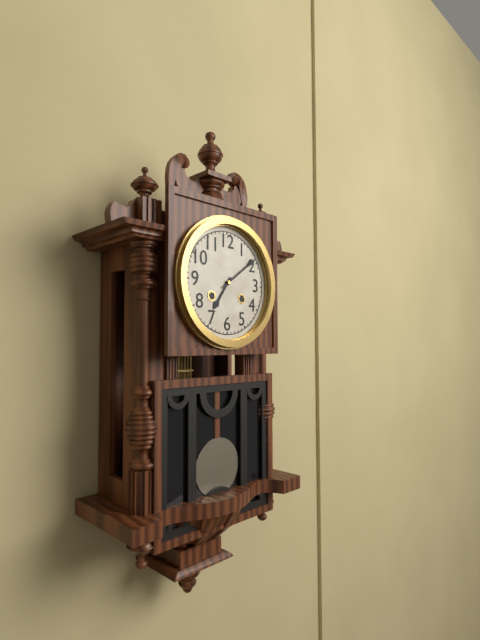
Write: 7,09
